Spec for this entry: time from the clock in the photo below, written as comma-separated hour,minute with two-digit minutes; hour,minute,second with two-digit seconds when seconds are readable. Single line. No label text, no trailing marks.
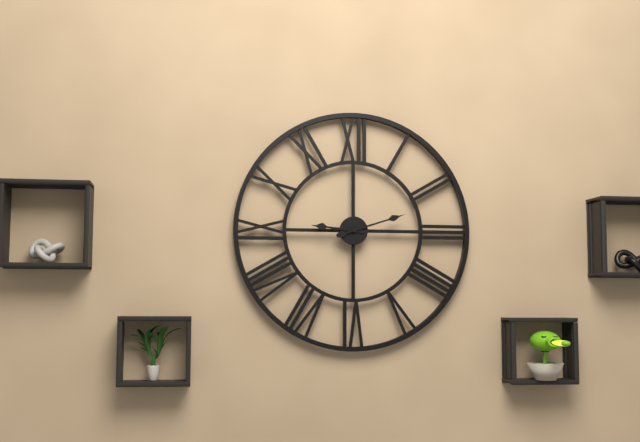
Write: 9,12
